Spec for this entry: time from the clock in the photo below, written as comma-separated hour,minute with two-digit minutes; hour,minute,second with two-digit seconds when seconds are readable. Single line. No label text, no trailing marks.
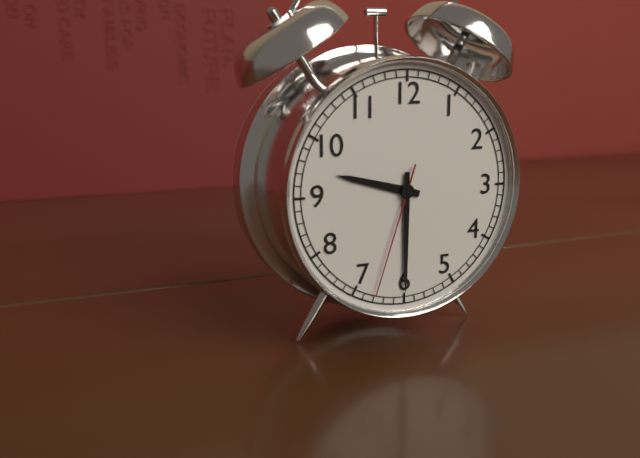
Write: 9,30,33
